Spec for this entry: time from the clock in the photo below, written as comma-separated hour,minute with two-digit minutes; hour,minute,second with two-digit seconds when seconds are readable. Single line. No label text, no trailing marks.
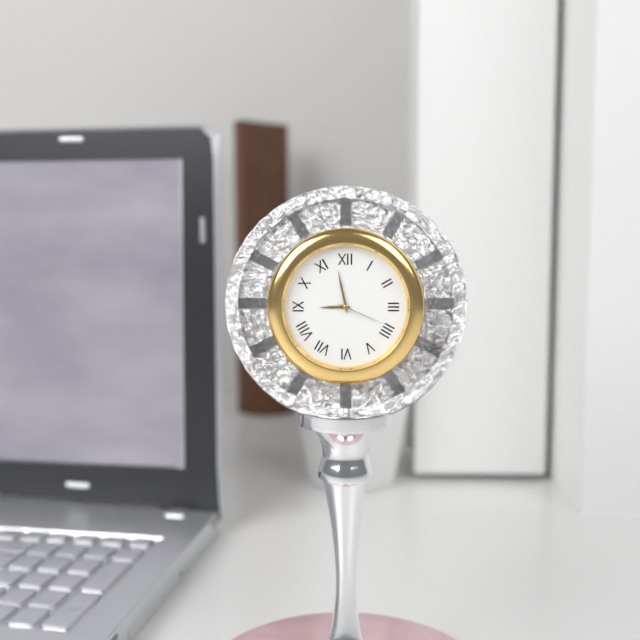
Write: 8,58,19
